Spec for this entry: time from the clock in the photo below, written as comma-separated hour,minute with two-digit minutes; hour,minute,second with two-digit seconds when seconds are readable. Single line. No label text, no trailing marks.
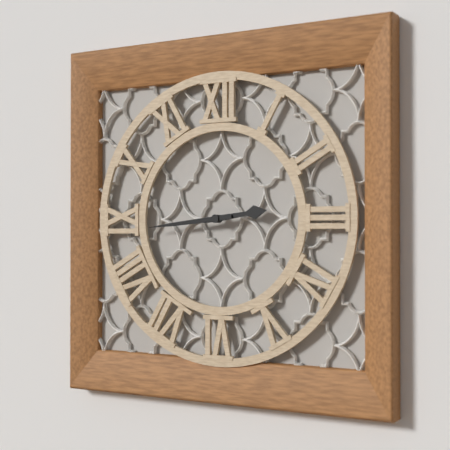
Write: 2,44
